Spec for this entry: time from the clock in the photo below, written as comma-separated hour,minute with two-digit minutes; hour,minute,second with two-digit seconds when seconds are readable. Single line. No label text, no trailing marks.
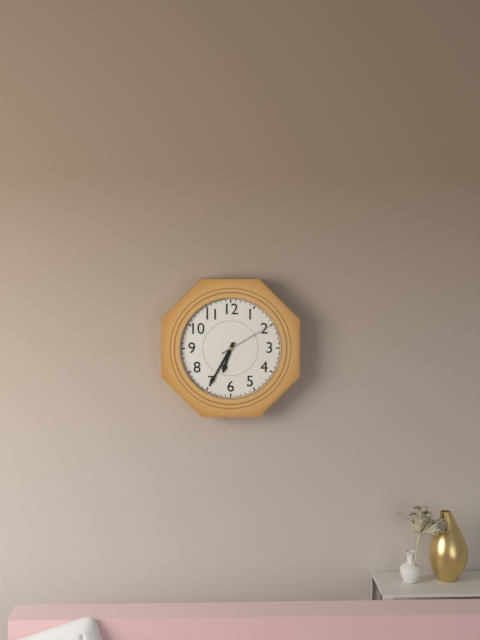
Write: 6,35,10
